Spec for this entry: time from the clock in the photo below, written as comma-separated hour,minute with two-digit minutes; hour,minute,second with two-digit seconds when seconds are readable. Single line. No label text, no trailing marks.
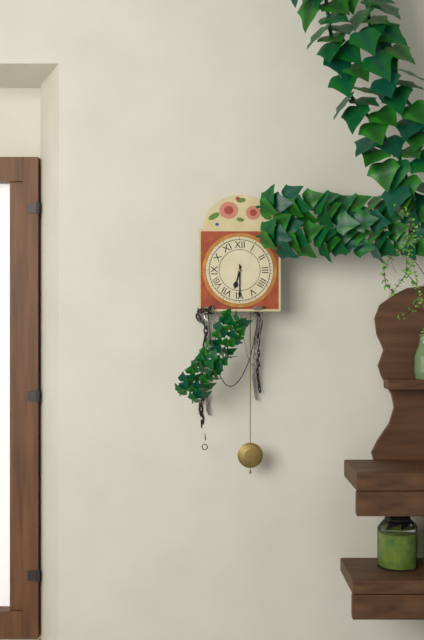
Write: 6,30
